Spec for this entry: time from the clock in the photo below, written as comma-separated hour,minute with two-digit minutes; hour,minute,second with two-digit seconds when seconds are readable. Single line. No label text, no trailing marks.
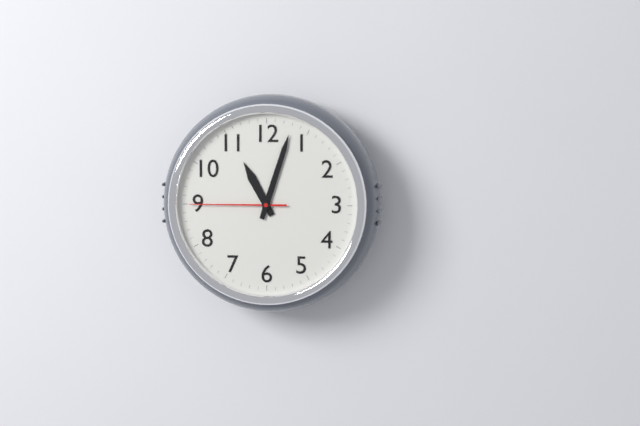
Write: 11,03,45
